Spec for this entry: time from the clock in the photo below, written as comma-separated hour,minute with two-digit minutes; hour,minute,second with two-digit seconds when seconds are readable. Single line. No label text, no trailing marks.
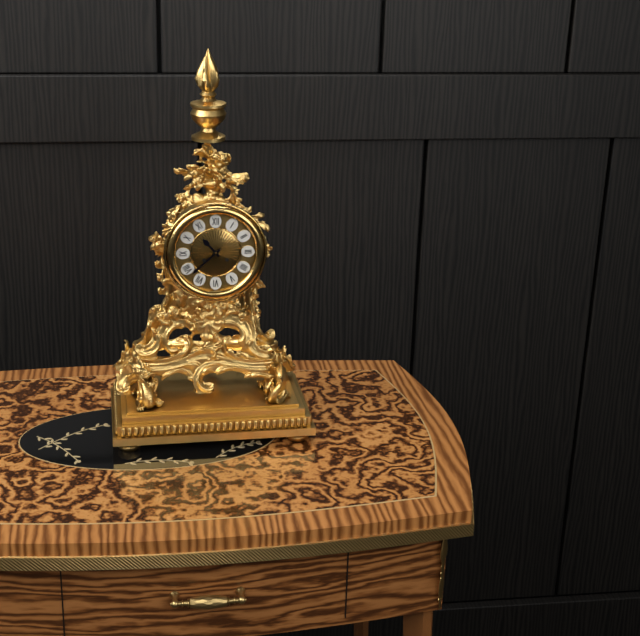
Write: 10,38
